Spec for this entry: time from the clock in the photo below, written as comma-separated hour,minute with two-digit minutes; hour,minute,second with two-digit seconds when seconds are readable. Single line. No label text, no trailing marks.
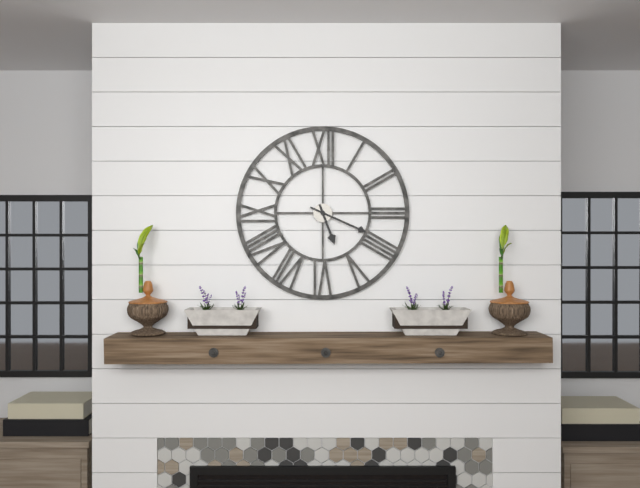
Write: 5,19
